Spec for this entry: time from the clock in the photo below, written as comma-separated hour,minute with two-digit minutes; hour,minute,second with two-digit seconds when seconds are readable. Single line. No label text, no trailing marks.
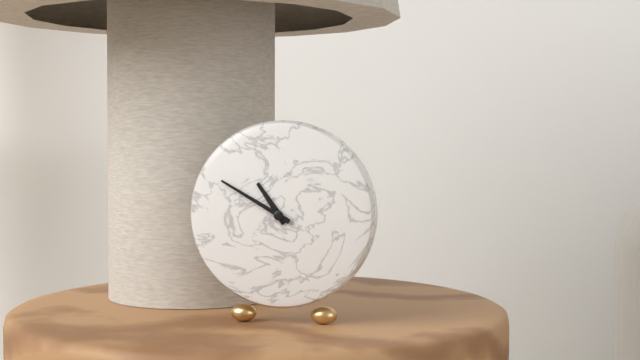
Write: 10,50
